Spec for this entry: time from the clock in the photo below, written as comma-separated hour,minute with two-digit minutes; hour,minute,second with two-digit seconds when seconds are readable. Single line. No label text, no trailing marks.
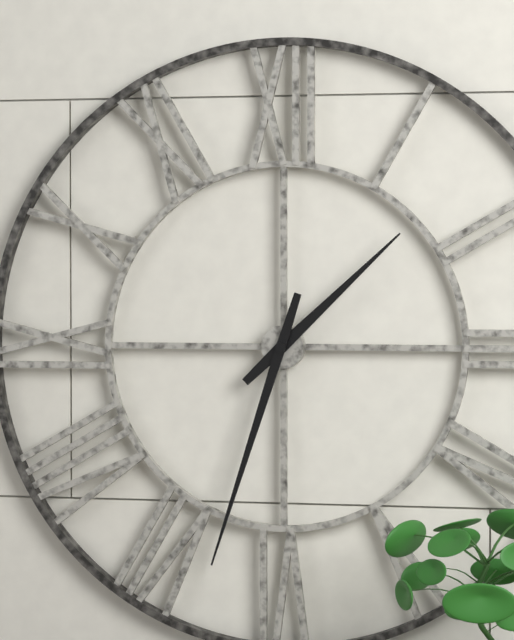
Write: 1,33
